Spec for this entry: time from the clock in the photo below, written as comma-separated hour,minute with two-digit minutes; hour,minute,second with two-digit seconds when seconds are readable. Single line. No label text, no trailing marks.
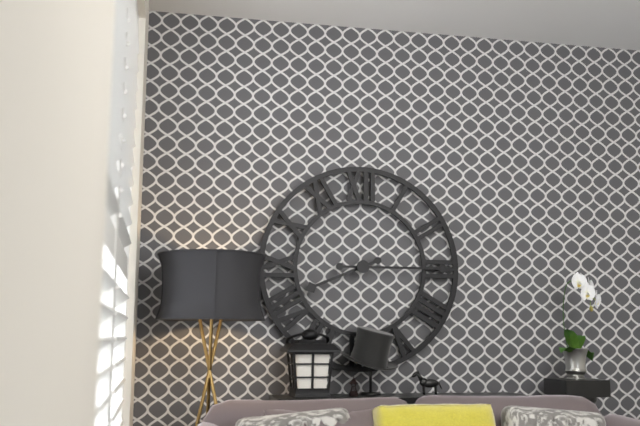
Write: 8,15
